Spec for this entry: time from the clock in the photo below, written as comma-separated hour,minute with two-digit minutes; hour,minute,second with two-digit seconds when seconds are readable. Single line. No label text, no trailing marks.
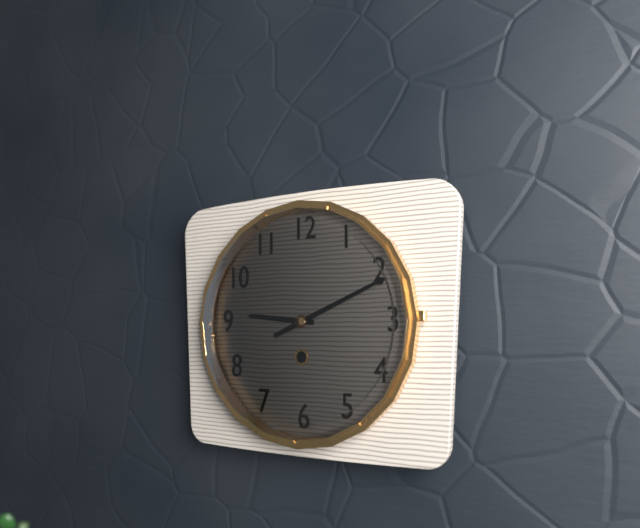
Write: 9,11
